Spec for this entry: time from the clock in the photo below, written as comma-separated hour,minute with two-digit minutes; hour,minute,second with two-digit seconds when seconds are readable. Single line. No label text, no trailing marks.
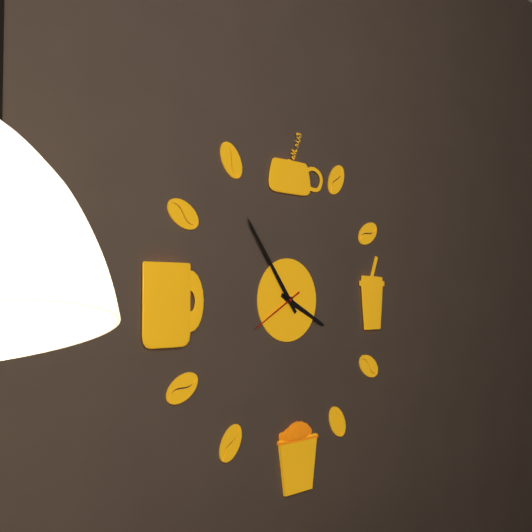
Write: 3,54,40
